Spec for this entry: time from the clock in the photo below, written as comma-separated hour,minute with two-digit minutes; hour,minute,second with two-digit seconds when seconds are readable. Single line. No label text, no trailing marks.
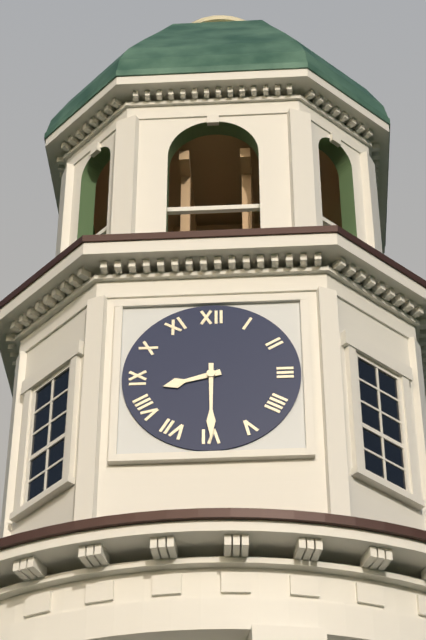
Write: 8,30
